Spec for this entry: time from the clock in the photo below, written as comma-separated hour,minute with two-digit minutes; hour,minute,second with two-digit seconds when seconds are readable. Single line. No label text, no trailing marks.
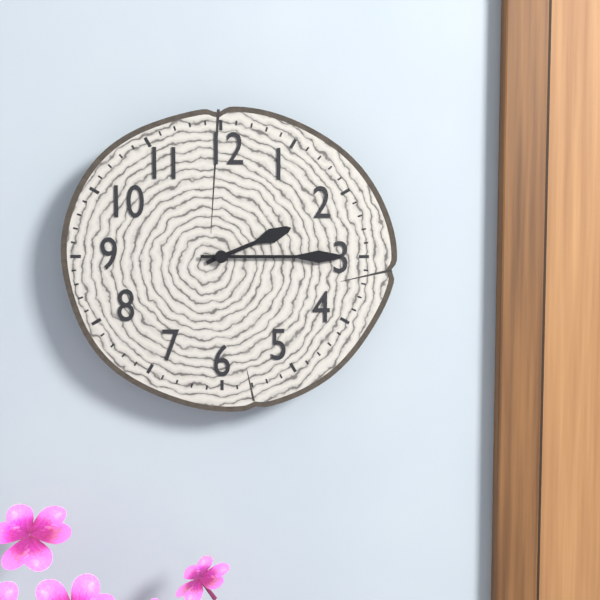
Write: 2,15
